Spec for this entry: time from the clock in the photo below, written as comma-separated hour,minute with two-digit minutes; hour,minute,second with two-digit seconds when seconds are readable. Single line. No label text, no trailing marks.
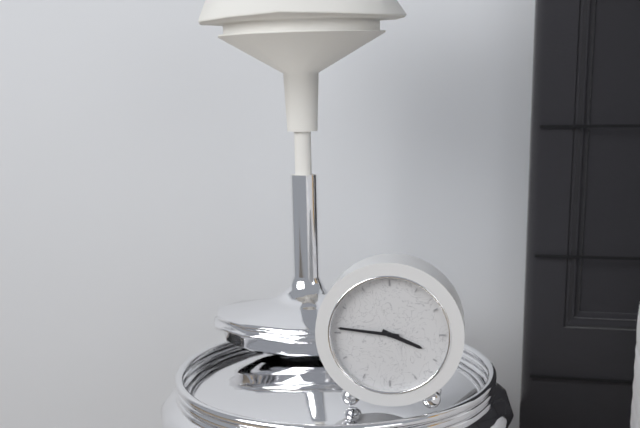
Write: 3,46
